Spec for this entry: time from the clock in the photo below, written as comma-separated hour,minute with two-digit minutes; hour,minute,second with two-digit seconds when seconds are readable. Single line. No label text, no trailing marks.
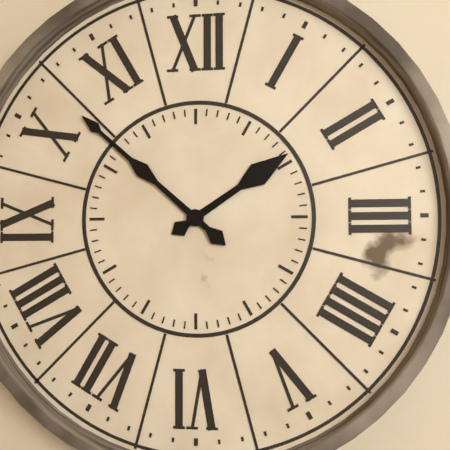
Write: 1,52
